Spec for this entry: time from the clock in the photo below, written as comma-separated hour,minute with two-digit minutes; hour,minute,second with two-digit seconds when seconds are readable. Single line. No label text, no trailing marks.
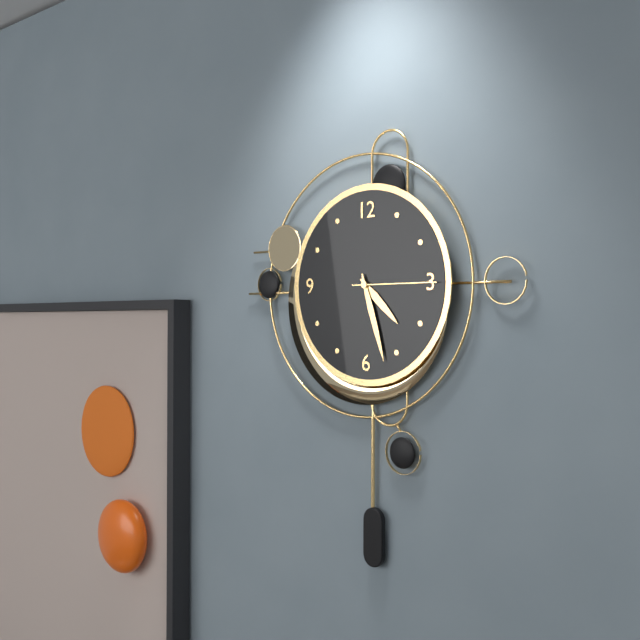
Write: 4,27,15
